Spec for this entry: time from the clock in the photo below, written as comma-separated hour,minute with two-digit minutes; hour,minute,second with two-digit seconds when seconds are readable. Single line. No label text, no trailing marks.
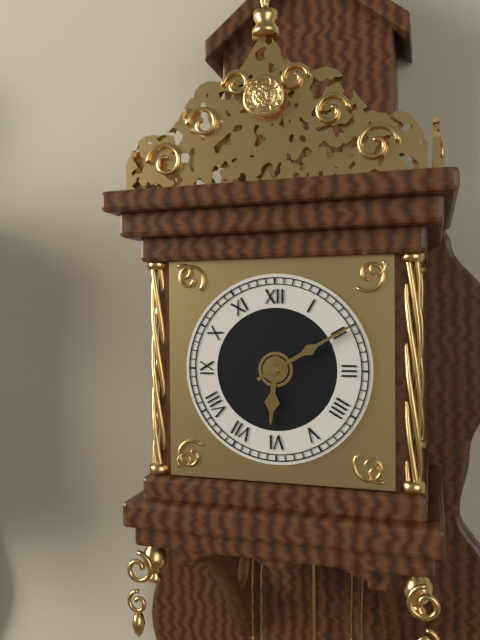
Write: 6,10
